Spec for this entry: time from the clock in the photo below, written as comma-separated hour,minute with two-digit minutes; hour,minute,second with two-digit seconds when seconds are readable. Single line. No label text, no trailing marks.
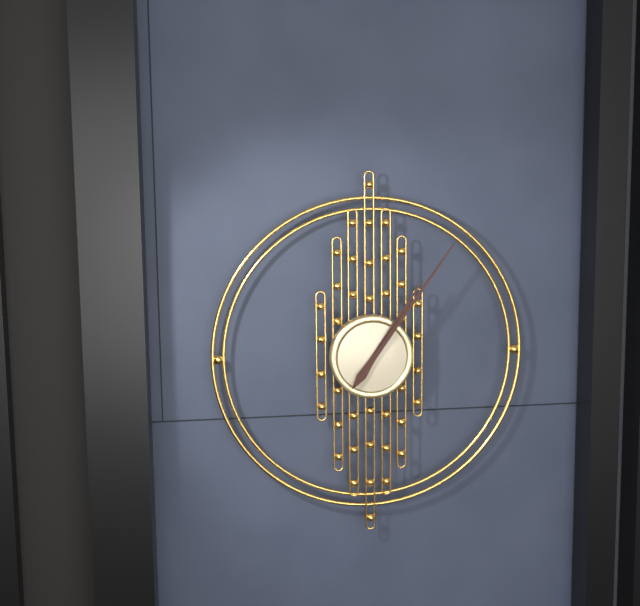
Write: 1,06
